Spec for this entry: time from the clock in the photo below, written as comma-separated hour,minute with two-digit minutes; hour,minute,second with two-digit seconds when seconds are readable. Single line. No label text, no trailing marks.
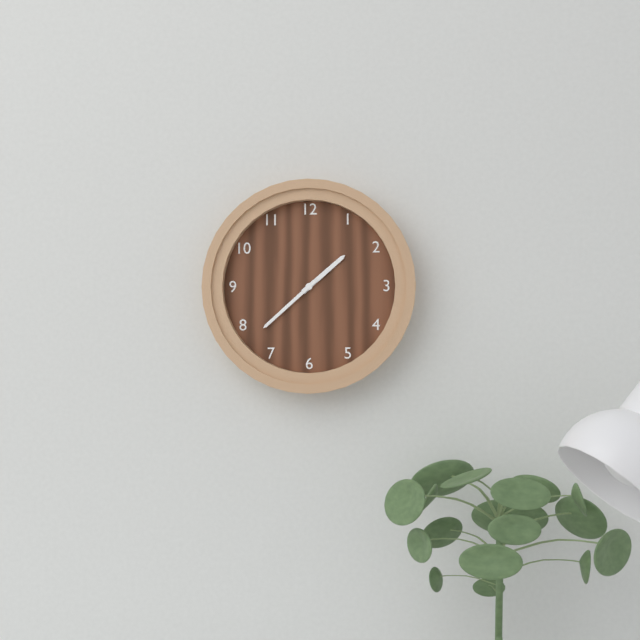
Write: 1,38
